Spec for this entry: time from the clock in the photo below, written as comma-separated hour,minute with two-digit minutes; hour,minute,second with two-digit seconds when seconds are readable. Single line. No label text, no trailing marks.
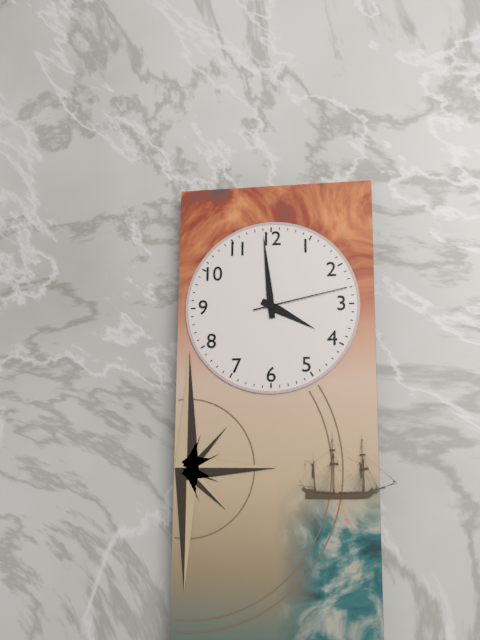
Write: 3,59,13
